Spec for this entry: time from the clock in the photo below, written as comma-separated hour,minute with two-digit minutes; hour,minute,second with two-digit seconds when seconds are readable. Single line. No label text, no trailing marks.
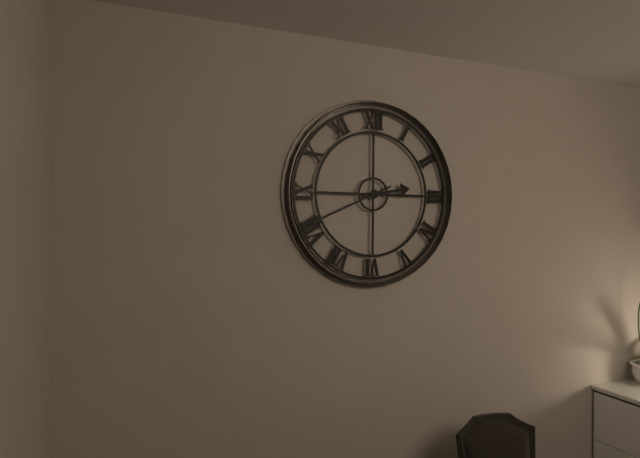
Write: 2,41
